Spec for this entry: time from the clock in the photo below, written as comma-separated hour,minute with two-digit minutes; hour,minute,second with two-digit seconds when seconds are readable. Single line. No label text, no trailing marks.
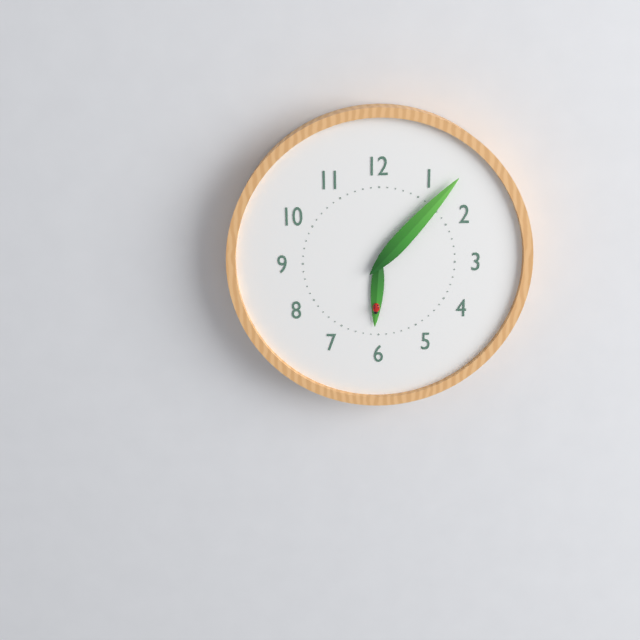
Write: 6,07
